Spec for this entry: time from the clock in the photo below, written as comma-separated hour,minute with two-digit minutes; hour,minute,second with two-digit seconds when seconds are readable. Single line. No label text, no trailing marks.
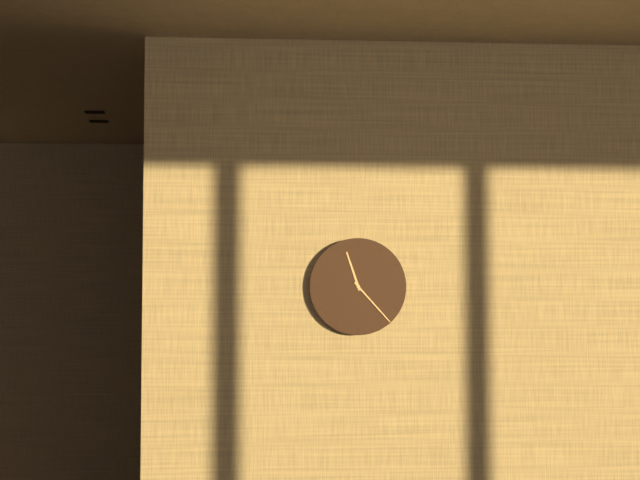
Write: 11,23
